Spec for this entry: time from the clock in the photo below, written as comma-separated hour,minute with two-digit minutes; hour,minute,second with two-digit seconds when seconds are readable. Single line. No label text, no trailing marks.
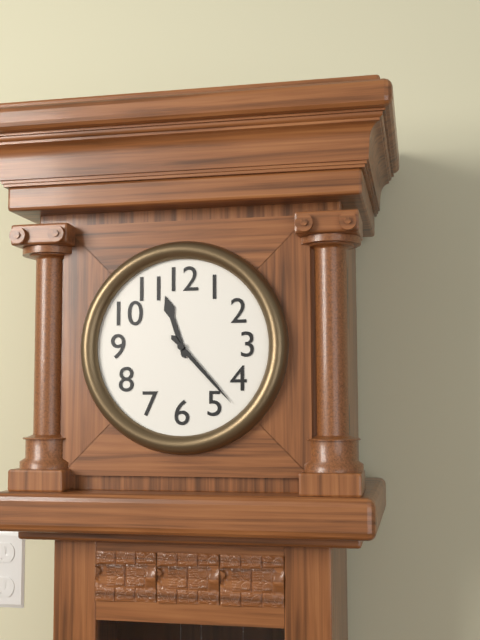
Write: 11,23
